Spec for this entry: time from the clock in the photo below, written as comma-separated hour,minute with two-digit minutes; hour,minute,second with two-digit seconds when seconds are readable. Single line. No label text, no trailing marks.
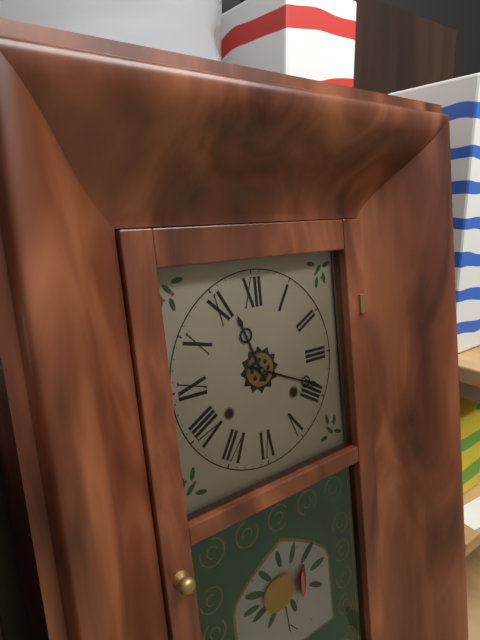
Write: 11,19
